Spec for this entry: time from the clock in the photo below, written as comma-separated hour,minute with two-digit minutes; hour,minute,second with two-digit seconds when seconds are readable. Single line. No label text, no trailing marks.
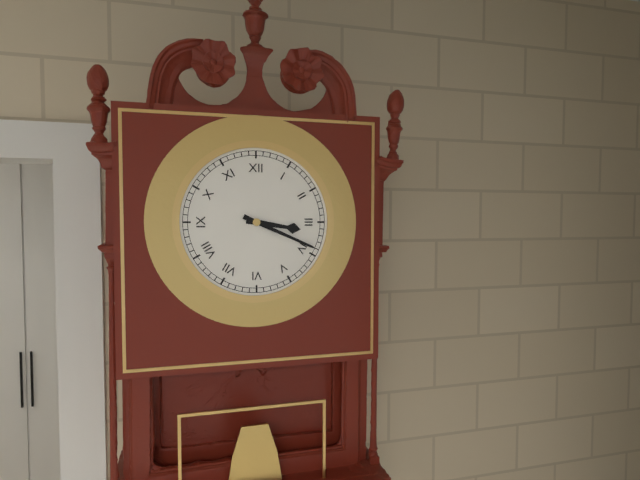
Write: 3,19
